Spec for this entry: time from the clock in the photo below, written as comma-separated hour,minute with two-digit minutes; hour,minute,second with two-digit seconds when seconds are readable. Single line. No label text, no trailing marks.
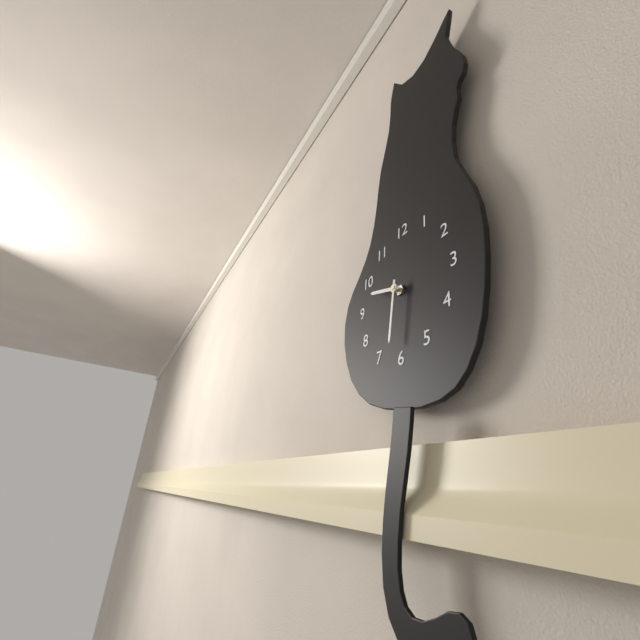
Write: 9,31
